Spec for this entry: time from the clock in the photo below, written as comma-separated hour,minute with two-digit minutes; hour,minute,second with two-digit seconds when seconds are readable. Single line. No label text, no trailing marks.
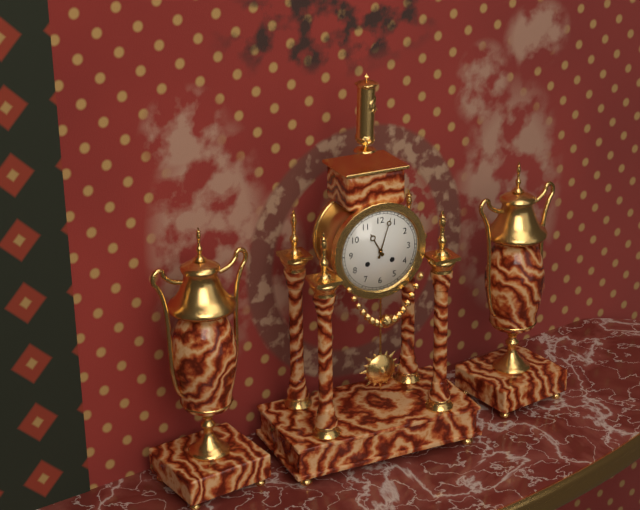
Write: 11,03
